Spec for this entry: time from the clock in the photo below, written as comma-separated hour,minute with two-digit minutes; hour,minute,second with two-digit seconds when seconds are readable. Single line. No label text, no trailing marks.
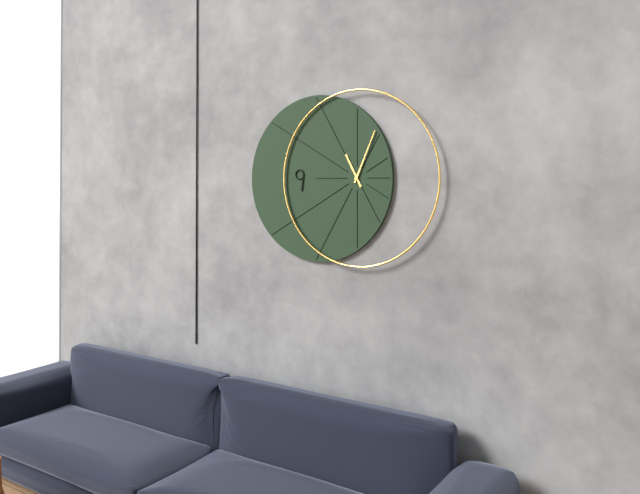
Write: 11,04
